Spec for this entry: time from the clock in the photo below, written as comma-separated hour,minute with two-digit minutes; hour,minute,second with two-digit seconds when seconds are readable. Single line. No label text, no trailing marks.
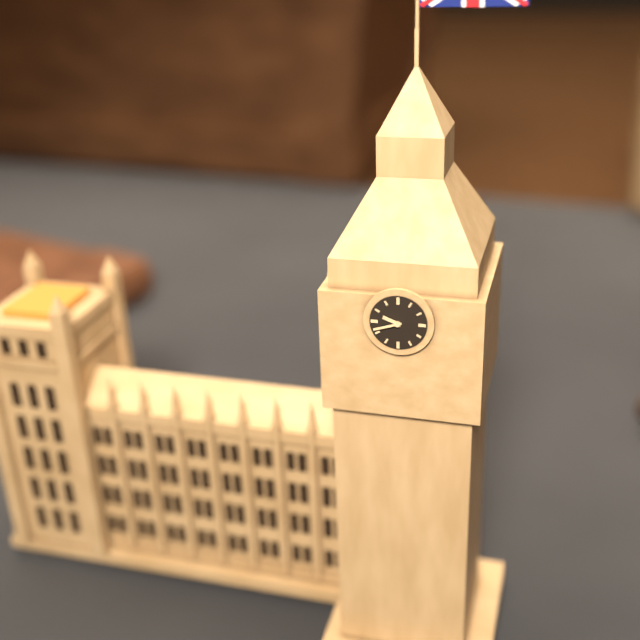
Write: 9,42
